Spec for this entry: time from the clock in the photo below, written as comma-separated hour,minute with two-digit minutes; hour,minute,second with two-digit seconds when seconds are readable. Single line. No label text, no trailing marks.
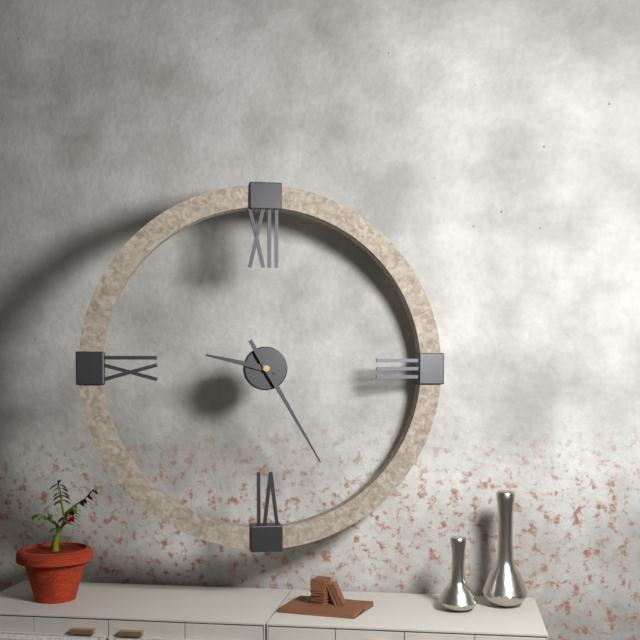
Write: 9,25
